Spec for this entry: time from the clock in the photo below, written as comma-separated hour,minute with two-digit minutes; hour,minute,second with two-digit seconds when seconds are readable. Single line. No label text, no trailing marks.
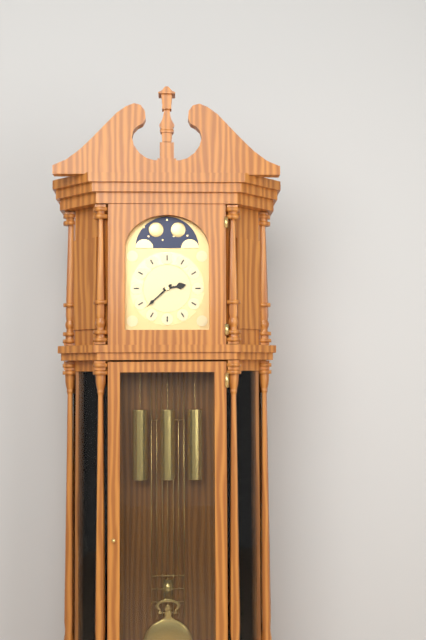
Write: 2,38
